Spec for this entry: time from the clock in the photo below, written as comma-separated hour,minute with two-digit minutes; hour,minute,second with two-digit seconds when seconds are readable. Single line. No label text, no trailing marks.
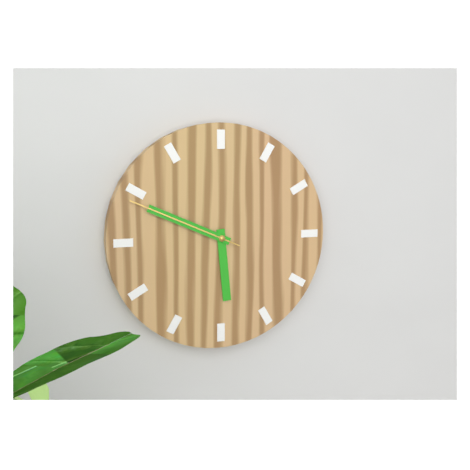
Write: 5,49,49
